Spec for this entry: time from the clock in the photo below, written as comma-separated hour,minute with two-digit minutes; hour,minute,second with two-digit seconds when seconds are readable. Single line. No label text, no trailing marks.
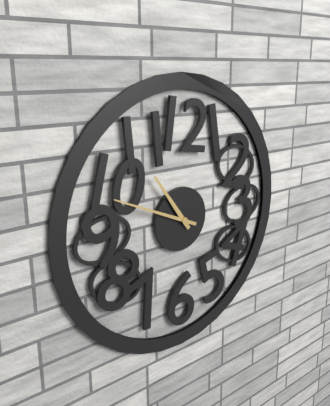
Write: 10,49
